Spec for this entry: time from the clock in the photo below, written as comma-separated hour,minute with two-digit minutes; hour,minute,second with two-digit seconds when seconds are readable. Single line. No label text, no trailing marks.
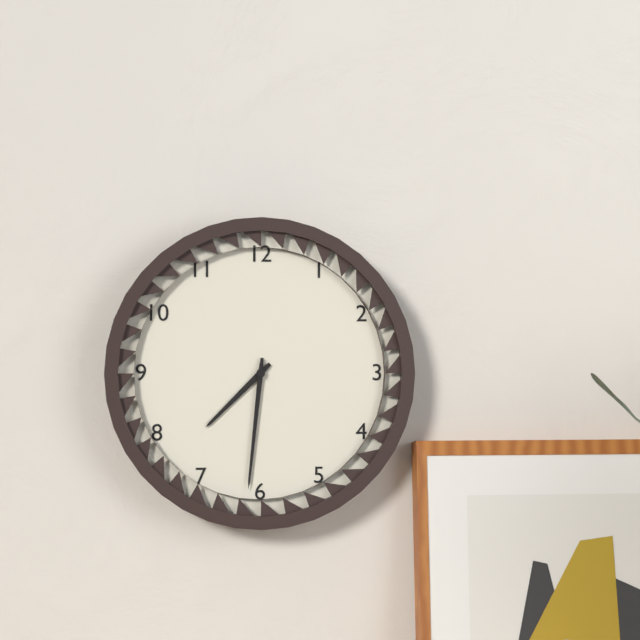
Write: 7,31
